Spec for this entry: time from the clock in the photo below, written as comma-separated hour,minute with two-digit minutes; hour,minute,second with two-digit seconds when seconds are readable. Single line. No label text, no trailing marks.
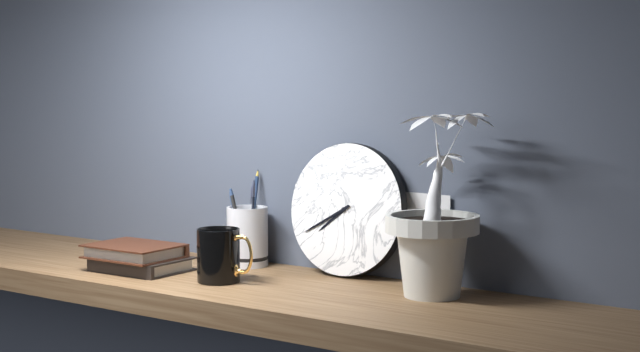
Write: 7,40
